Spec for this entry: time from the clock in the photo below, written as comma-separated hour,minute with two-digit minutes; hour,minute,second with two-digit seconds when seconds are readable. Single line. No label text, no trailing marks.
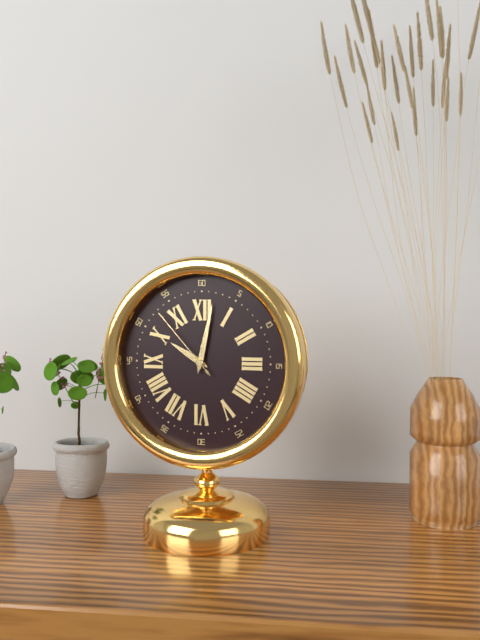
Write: 10,02,53
